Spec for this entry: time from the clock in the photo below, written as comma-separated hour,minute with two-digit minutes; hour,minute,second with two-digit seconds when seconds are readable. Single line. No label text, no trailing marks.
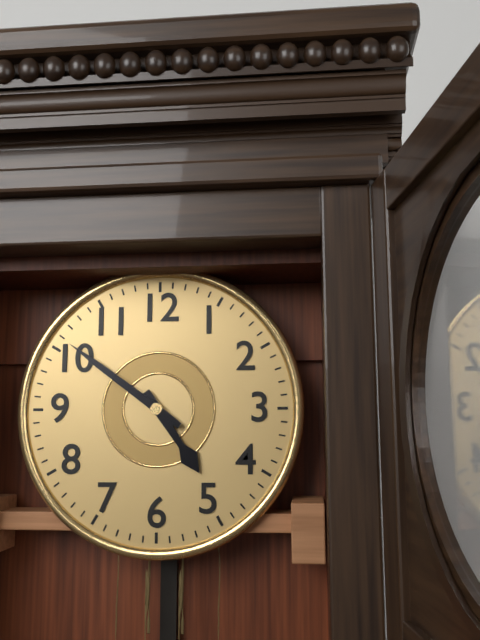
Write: 4,51
